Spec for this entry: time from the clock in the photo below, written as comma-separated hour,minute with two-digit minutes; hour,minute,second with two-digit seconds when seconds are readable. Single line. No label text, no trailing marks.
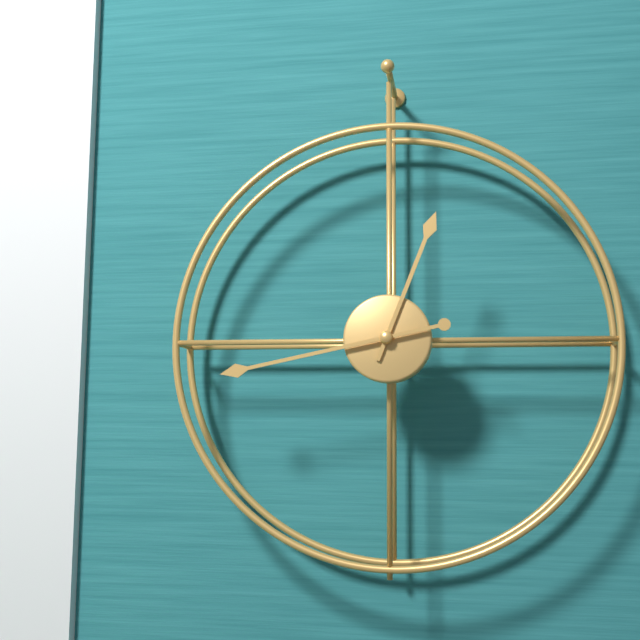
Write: 12,43
